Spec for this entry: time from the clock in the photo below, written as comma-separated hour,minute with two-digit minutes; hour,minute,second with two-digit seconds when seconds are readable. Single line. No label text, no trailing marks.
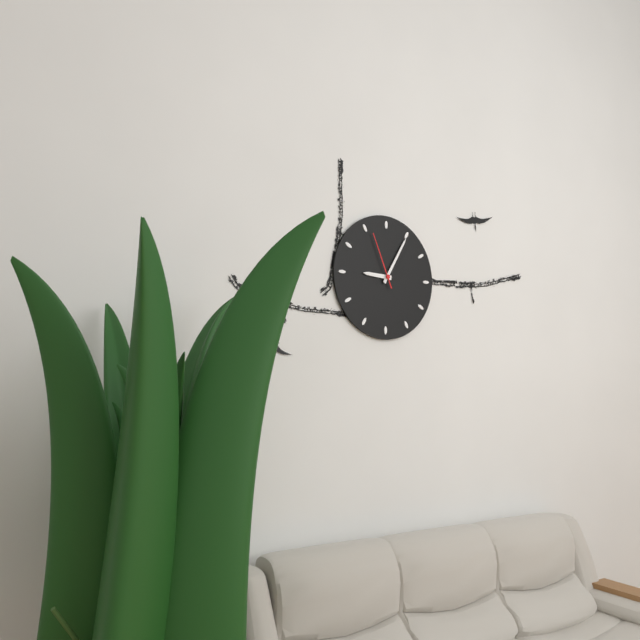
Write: 9,05,56
